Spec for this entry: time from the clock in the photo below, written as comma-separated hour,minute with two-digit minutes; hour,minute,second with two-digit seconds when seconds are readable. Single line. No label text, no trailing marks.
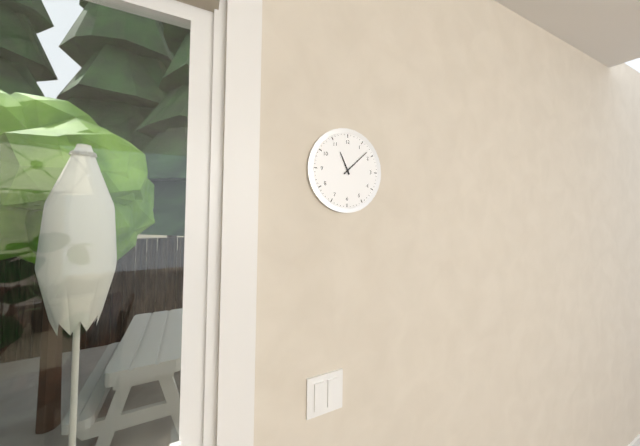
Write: 11,08
